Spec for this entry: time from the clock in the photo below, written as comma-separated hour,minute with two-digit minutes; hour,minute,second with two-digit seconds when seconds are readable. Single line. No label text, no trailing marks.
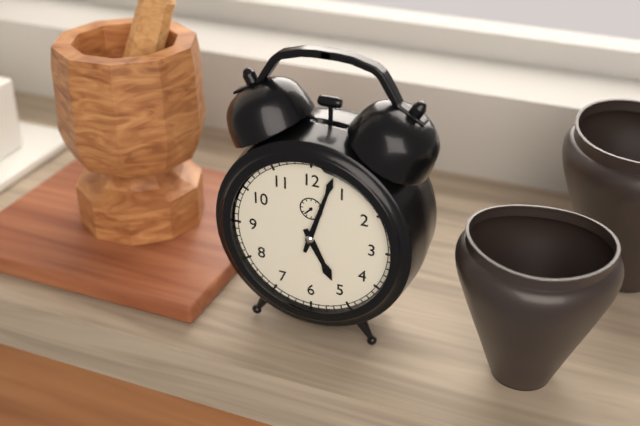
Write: 5,03
